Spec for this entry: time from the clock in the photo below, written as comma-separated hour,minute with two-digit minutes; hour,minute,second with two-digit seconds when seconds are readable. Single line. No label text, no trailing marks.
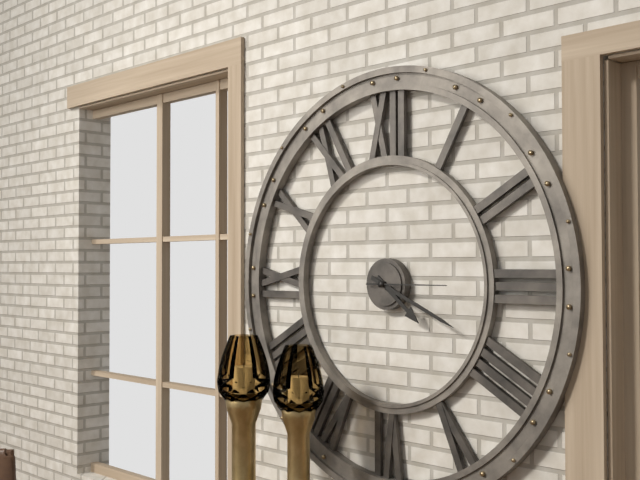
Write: 4,19,15
